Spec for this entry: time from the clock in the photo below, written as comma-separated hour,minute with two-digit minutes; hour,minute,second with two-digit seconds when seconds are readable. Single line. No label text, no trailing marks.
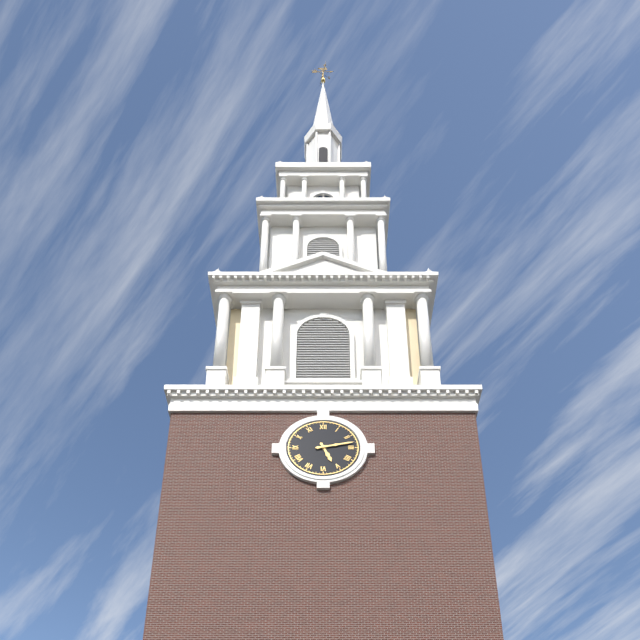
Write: 5,13
